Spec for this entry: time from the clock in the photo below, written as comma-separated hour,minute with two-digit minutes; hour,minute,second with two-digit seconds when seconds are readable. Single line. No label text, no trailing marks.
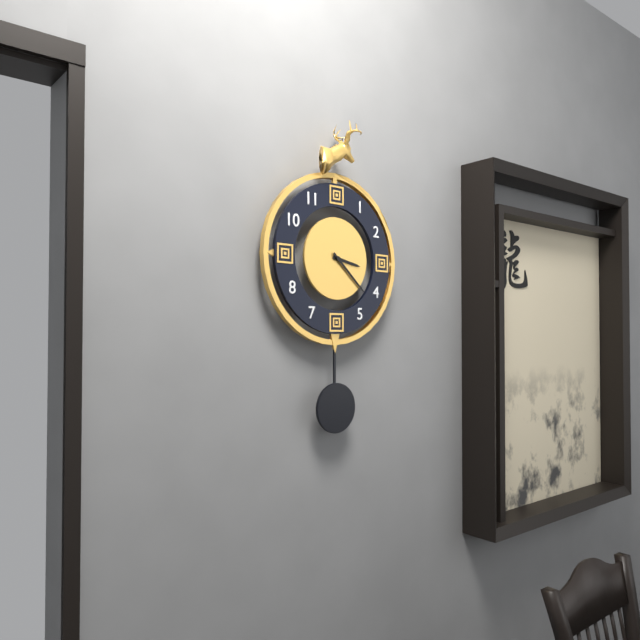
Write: 3,22
